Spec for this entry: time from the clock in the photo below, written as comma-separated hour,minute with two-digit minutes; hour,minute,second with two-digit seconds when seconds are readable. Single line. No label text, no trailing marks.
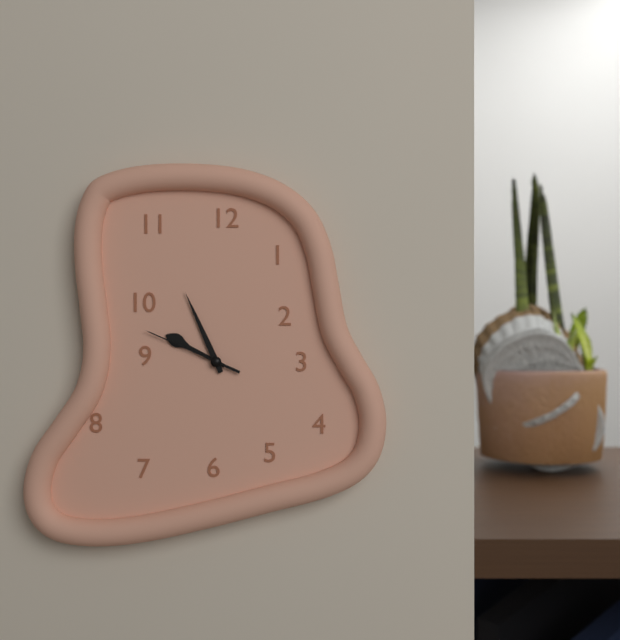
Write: 9,56,49
